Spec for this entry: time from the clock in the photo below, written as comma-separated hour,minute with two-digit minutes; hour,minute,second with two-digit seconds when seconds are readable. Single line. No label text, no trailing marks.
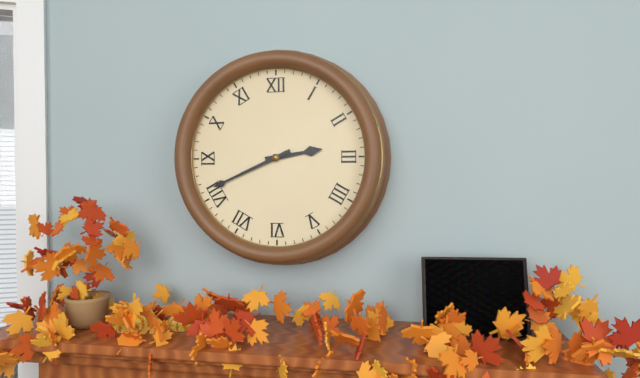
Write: 2,41
